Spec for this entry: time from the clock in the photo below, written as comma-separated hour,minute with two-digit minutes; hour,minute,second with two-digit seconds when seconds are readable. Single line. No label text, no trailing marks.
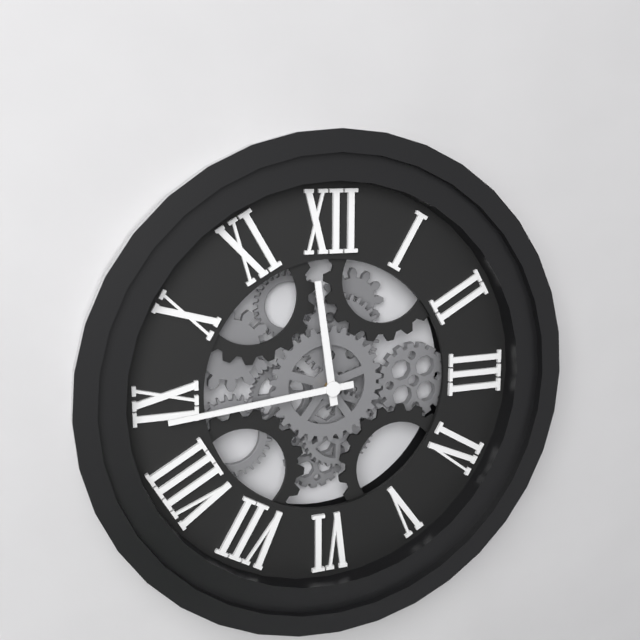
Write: 11,44
